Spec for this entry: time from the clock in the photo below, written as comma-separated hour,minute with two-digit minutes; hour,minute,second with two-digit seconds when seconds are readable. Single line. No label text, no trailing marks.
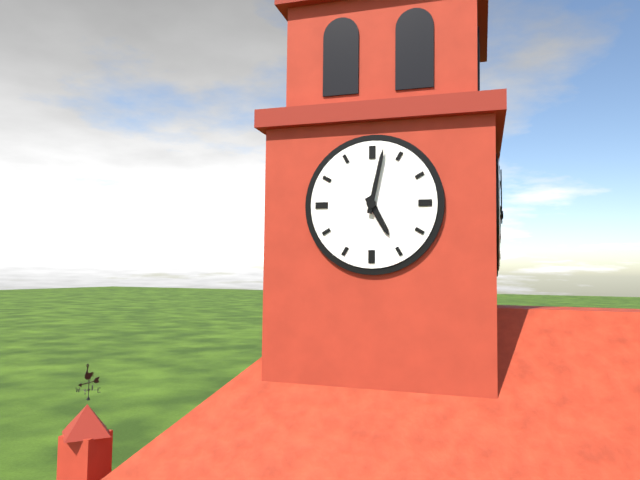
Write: 5,02
